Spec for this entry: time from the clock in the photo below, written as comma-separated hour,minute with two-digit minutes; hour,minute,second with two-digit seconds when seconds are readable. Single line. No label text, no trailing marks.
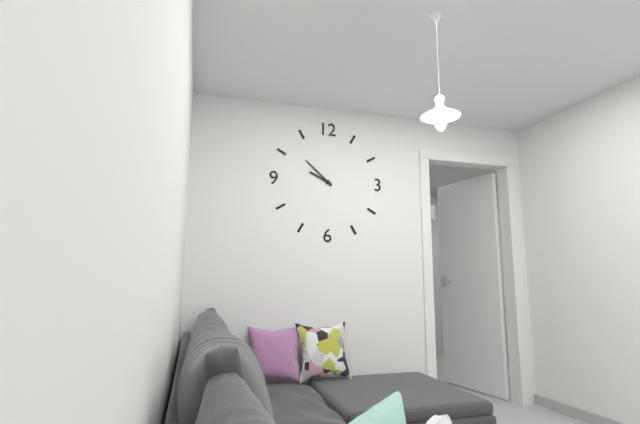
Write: 9,52
